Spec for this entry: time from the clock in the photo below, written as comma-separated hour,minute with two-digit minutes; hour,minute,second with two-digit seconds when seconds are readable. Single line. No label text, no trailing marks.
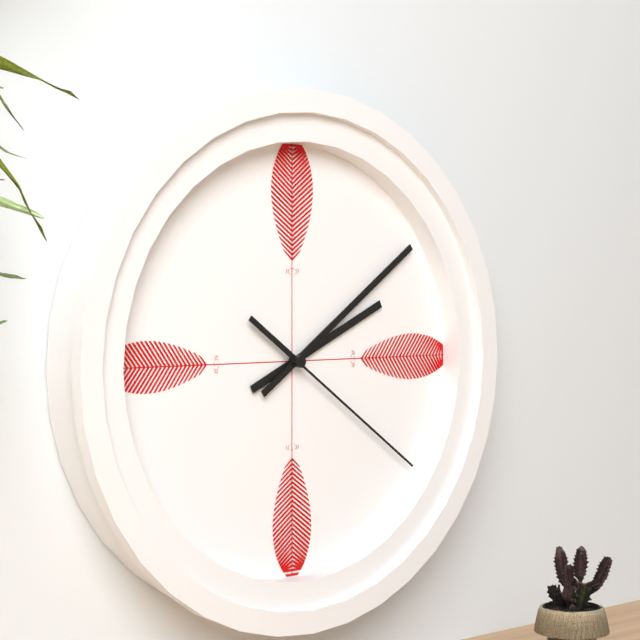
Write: 2,09,21
